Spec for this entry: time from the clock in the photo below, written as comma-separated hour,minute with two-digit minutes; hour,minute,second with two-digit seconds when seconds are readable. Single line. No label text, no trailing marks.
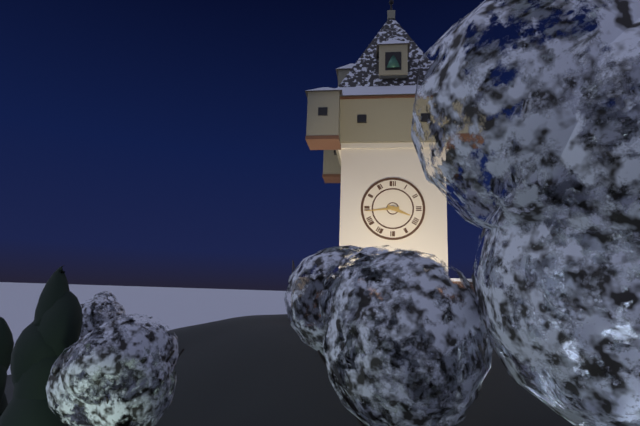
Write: 3,44
